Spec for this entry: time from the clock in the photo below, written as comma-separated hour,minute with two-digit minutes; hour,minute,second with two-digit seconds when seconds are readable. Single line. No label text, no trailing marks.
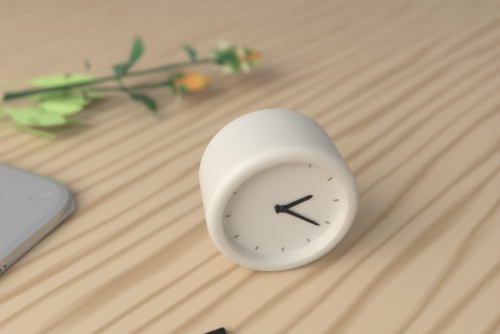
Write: 2,21
